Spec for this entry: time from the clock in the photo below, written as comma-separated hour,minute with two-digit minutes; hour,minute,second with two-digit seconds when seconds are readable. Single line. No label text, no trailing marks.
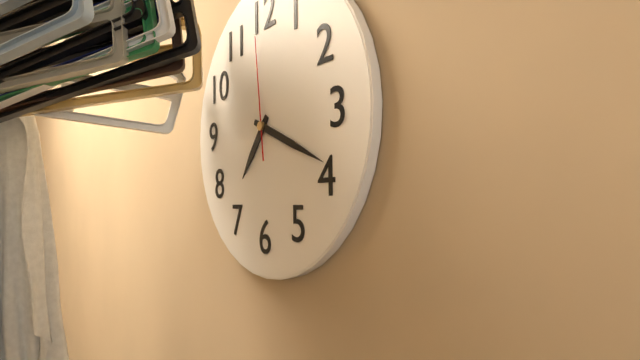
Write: 7,19,59
